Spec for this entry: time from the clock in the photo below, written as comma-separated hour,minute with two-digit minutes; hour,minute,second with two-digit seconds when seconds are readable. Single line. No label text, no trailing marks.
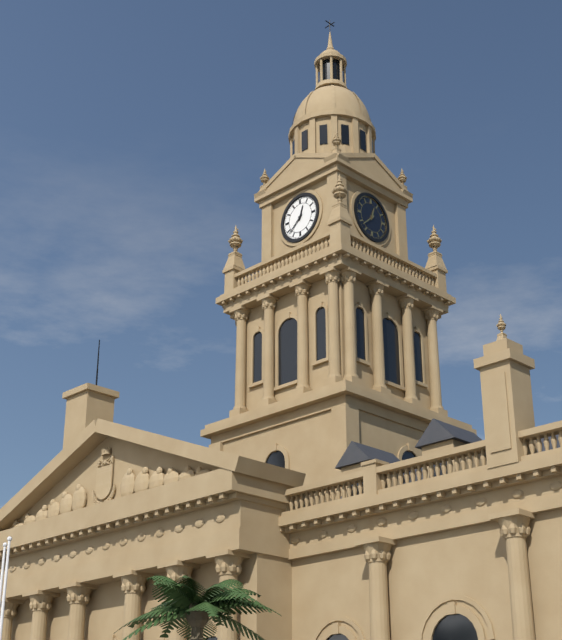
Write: 12,38
